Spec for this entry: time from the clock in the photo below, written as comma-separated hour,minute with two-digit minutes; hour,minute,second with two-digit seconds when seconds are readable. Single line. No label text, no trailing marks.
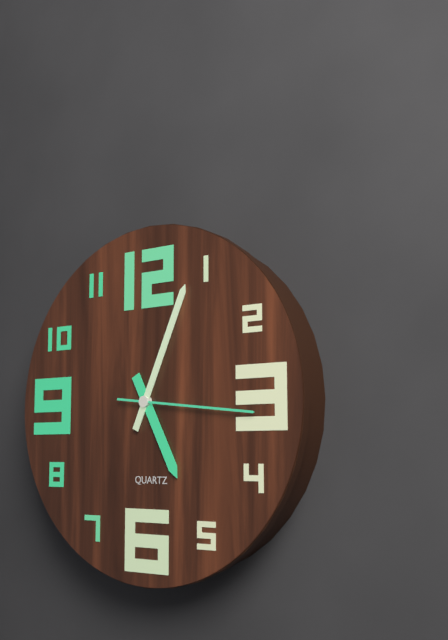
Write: 5,04,16
